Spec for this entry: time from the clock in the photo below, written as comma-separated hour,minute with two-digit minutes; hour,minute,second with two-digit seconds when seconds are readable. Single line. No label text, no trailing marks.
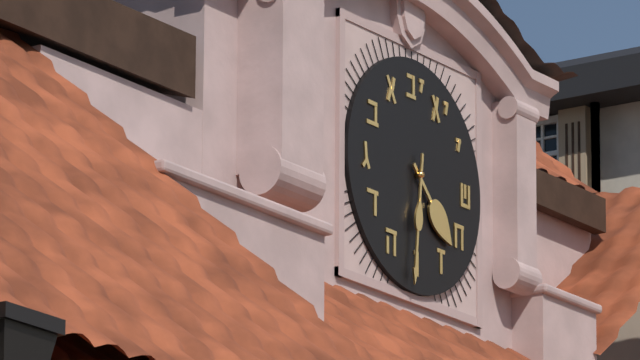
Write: 4,31
